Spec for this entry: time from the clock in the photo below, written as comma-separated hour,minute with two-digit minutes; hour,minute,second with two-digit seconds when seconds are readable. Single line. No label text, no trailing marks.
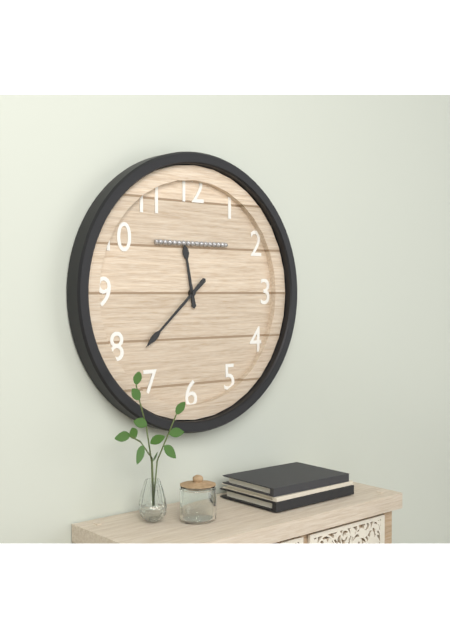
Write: 11,38
